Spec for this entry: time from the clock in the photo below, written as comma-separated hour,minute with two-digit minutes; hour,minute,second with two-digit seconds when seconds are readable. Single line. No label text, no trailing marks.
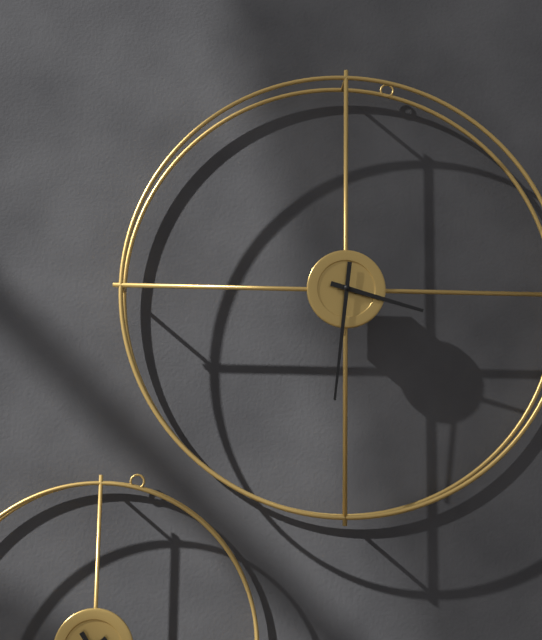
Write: 3,31
